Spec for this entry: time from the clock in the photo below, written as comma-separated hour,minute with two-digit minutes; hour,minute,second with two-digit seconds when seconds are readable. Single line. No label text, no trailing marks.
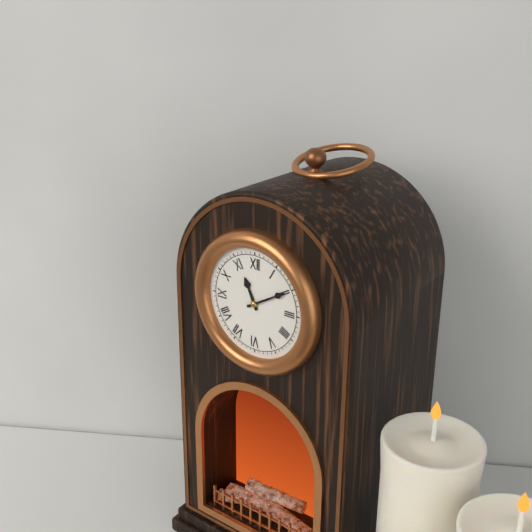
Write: 11,10
